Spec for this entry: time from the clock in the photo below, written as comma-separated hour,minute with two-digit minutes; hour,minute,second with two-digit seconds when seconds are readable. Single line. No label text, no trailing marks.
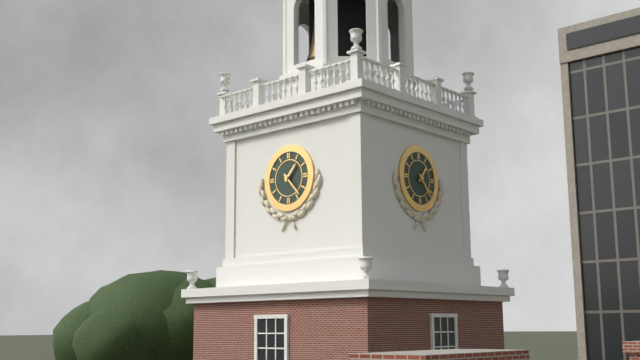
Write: 1,23
